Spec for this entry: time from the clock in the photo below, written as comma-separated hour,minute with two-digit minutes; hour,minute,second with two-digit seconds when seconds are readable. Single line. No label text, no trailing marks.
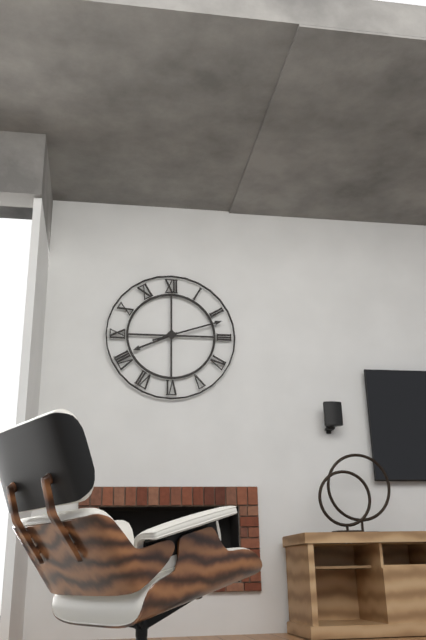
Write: 8,12
